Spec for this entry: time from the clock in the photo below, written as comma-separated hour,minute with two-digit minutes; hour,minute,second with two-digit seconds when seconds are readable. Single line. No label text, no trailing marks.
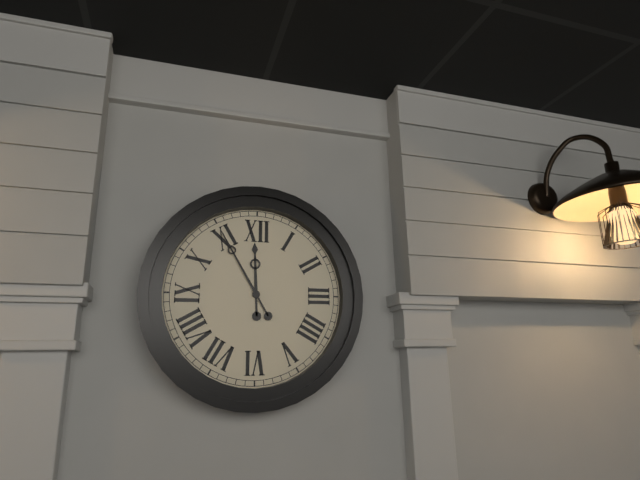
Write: 11,55
